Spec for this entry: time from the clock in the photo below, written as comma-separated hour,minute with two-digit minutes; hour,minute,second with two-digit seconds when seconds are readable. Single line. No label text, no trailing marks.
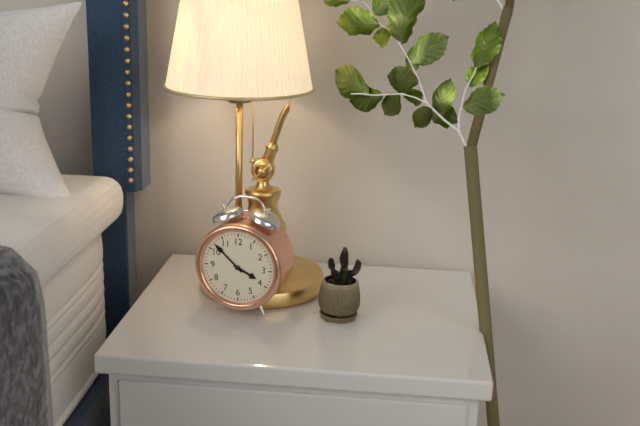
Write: 3,52
